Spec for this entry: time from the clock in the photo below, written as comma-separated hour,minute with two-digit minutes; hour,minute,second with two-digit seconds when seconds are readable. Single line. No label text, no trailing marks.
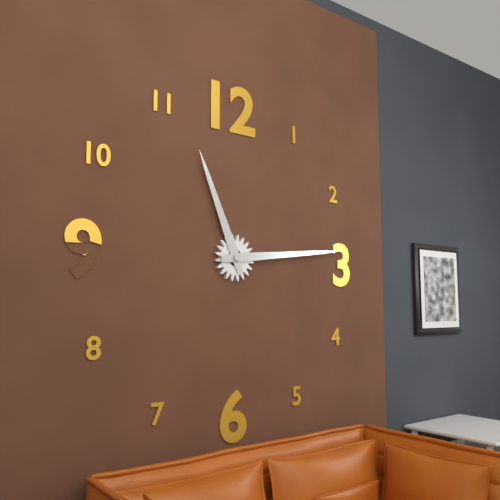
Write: 11,14
